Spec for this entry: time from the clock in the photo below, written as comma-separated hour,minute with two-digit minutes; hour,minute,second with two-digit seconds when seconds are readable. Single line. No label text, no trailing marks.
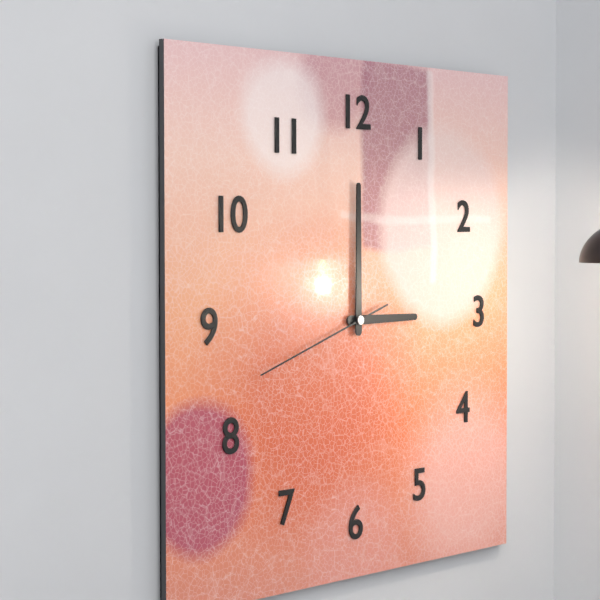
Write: 3,00,42
